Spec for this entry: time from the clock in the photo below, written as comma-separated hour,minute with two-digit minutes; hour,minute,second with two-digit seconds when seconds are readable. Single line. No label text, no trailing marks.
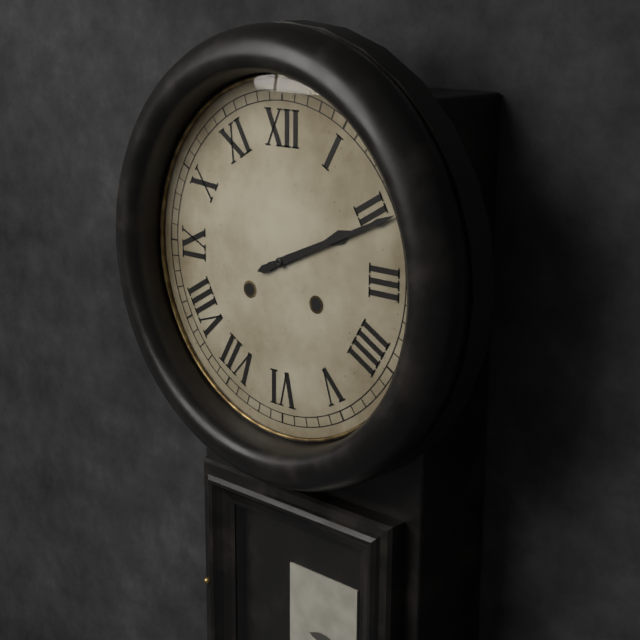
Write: 2,11
